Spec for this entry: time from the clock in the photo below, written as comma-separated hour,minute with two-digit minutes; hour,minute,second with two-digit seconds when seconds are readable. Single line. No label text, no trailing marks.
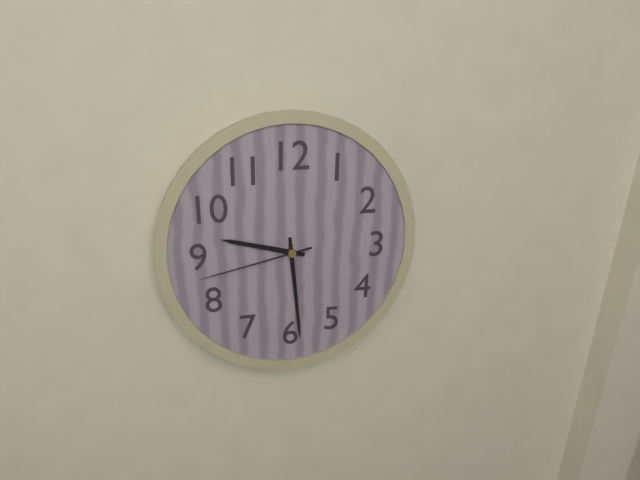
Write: 9,29,43
